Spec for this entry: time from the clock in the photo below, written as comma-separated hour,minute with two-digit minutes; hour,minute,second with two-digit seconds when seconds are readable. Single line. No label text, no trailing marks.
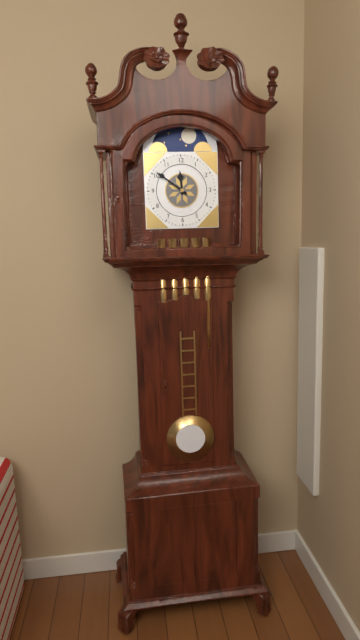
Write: 11,51
